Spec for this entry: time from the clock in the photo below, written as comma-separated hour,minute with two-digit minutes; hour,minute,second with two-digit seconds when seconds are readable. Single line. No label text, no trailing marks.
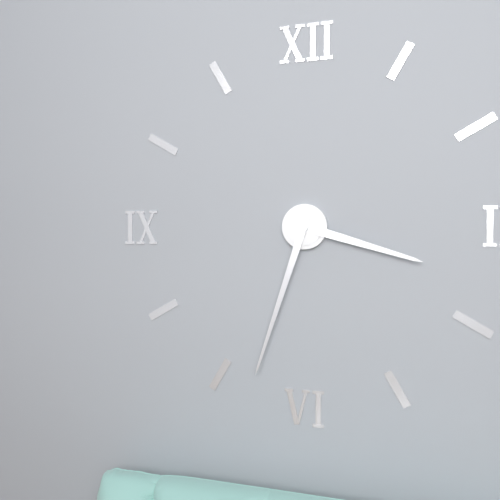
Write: 3,33
